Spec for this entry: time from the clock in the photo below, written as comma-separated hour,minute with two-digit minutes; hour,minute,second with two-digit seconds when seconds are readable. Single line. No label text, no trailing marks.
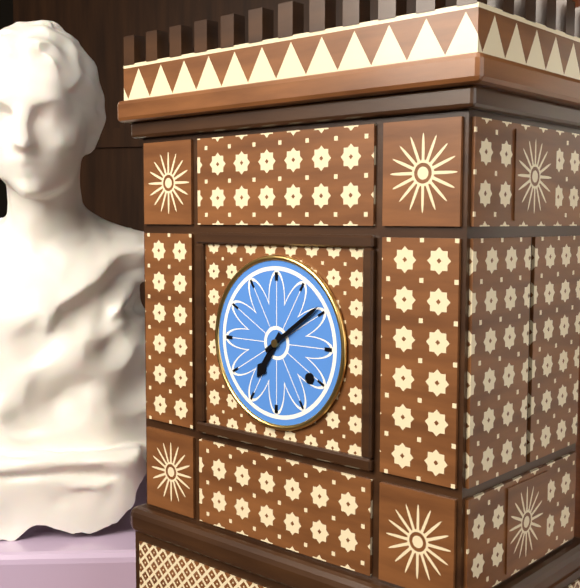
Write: 7,09
